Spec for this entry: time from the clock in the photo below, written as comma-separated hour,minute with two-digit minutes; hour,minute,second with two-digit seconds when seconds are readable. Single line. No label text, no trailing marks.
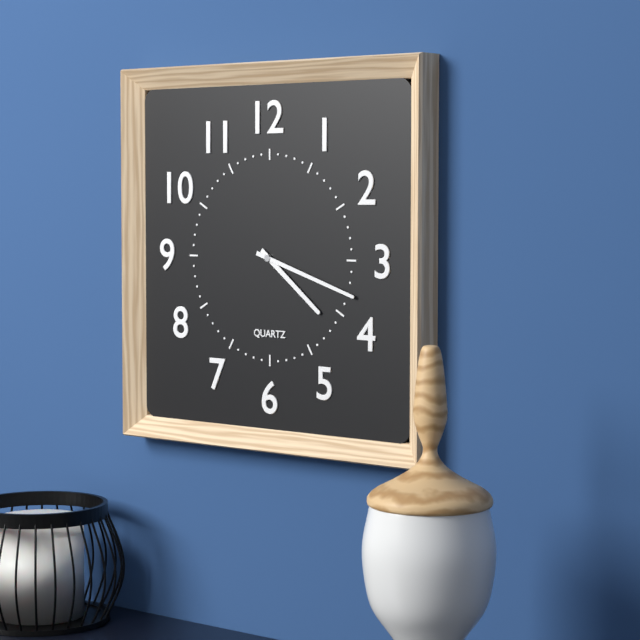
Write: 4,18
